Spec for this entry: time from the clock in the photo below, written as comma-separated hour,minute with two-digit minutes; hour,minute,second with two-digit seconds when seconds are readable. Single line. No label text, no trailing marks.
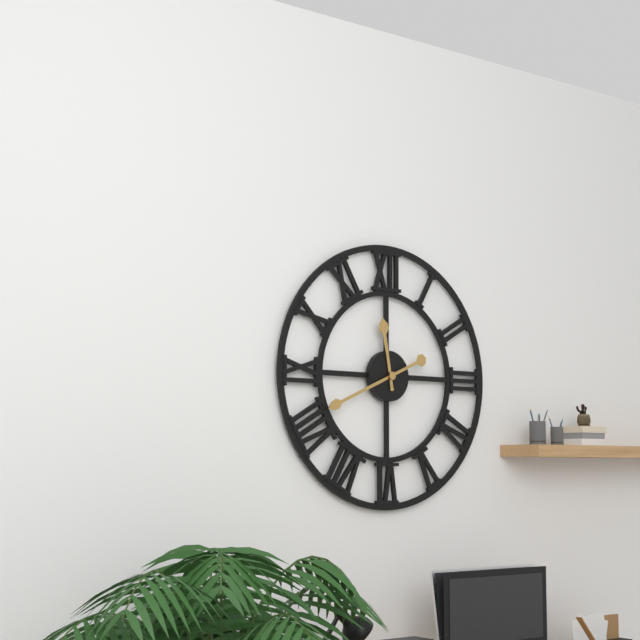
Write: 11,41
